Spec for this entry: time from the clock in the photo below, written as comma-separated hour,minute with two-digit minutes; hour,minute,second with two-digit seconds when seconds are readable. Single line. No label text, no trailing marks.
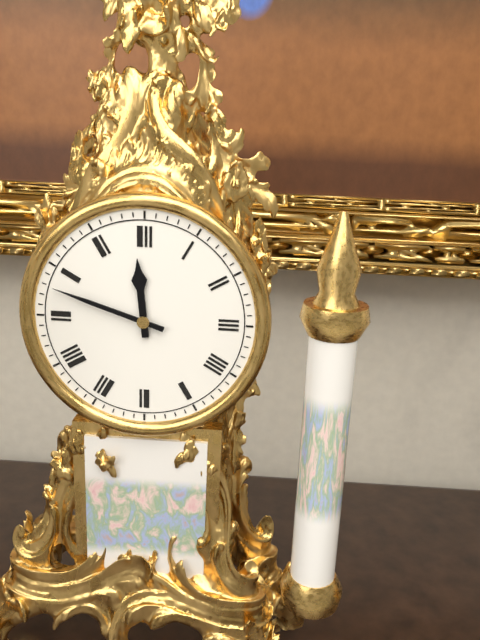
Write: 11,48
